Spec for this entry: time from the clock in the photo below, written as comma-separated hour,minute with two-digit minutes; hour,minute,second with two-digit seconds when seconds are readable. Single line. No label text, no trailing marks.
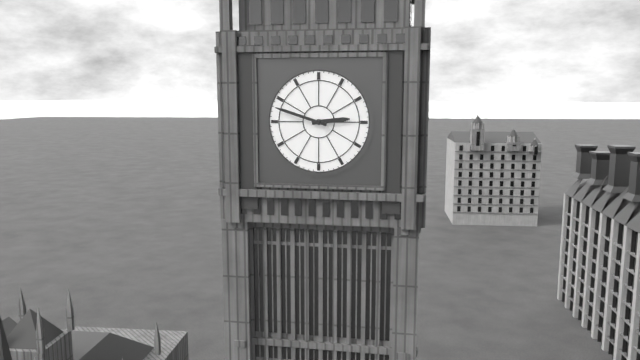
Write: 2,48
